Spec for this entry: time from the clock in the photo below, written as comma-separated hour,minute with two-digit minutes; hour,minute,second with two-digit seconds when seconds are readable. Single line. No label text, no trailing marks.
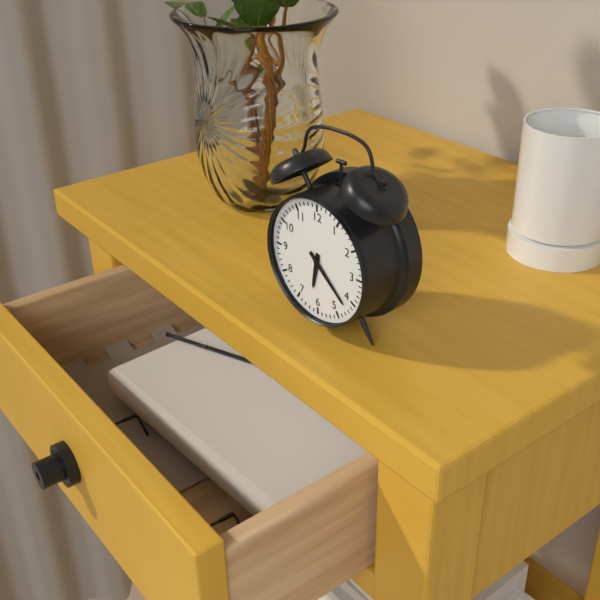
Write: 6,22
